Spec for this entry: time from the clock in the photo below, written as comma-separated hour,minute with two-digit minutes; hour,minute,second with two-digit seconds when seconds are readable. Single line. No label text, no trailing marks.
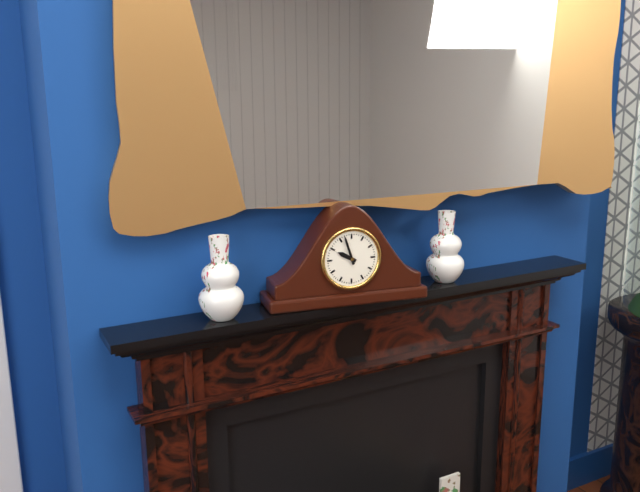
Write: 9,57
